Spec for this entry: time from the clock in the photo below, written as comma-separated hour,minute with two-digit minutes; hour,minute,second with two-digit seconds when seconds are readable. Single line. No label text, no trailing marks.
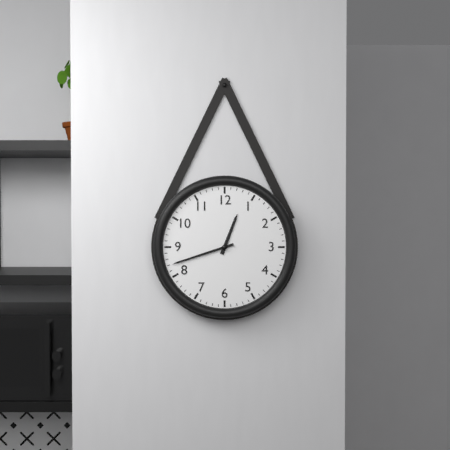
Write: 12,42
